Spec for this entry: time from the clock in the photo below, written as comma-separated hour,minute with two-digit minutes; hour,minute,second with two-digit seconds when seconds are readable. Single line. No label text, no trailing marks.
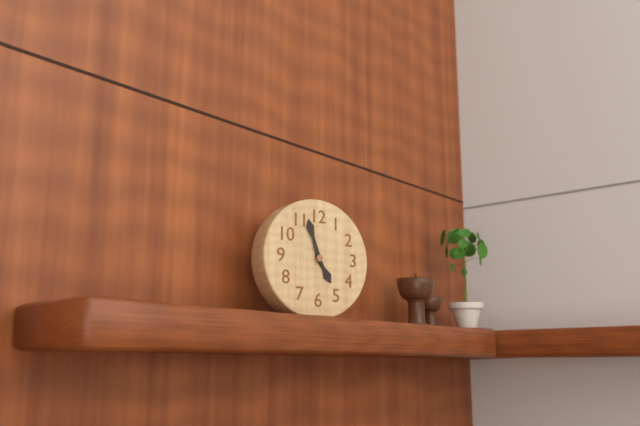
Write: 4,57
